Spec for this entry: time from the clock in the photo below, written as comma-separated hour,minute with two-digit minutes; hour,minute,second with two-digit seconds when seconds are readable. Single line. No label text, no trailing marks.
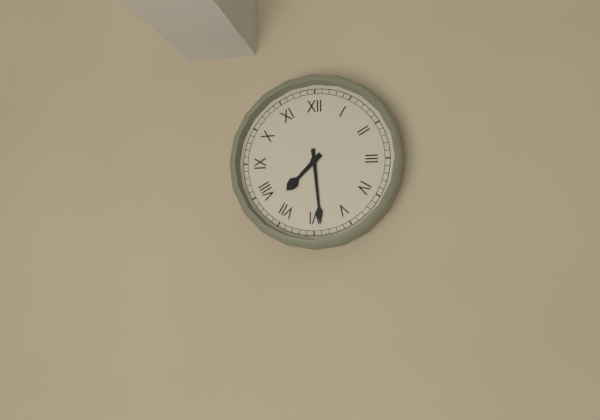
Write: 7,29
